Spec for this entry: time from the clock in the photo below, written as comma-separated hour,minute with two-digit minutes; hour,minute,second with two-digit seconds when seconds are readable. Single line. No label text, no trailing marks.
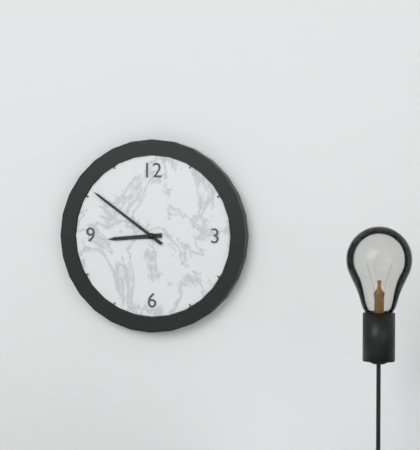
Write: 8,51
